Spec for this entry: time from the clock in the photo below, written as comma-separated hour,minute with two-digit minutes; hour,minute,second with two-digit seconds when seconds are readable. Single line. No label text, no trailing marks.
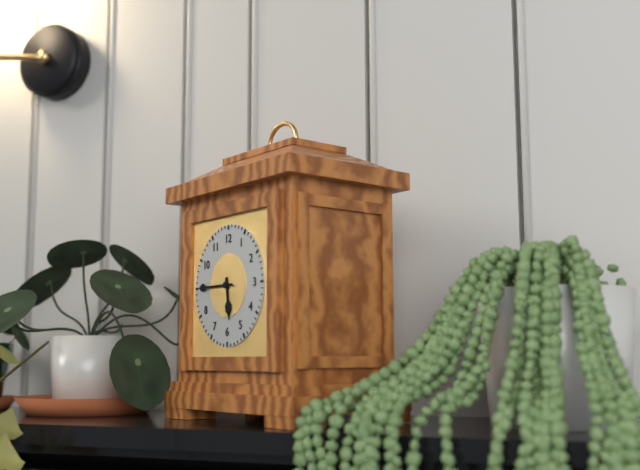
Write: 5,45
